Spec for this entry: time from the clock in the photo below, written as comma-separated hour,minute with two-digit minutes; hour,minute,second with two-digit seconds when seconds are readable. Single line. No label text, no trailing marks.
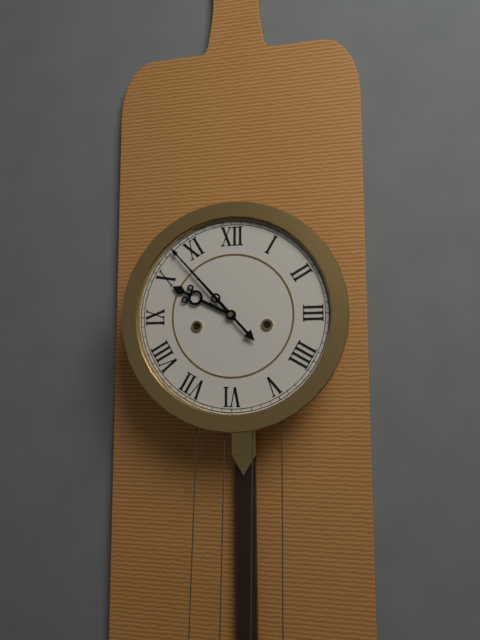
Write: 9,53
